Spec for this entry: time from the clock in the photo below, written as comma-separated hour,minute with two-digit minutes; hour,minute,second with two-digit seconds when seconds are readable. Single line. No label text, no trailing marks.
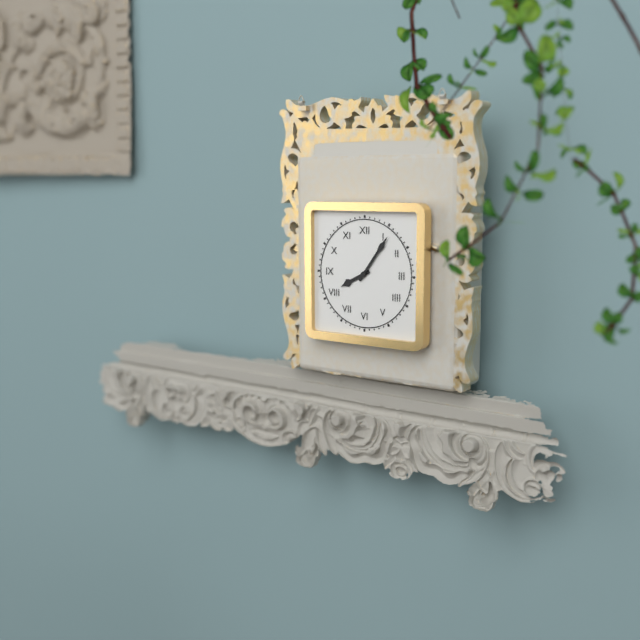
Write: 8,06
